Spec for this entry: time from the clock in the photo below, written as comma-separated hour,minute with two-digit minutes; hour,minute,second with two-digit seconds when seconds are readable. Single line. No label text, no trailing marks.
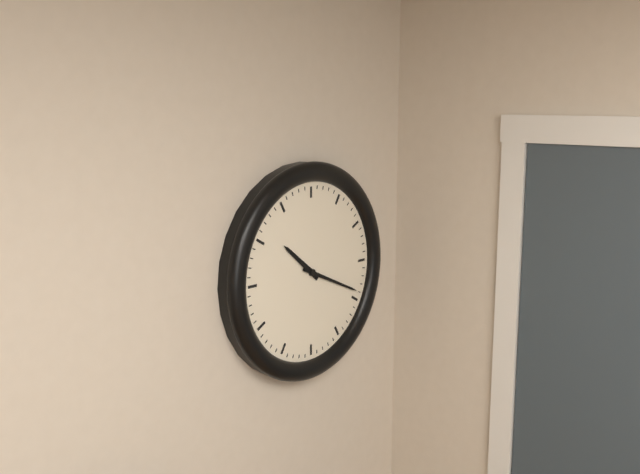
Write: 10,19
